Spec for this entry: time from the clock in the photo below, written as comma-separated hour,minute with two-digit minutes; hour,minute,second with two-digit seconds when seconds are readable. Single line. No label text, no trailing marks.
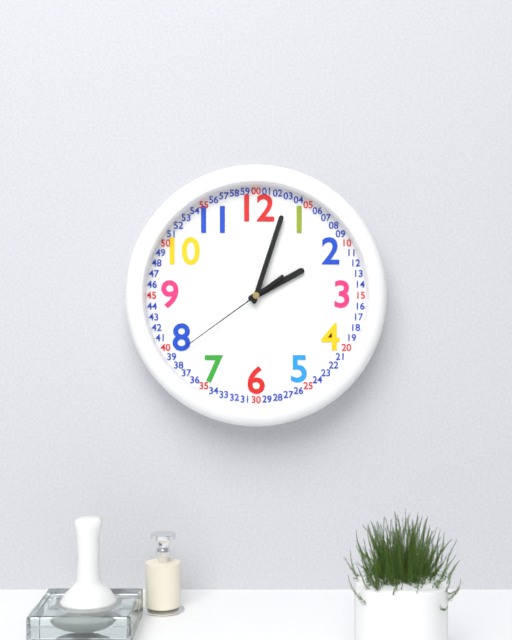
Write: 2,03,39
